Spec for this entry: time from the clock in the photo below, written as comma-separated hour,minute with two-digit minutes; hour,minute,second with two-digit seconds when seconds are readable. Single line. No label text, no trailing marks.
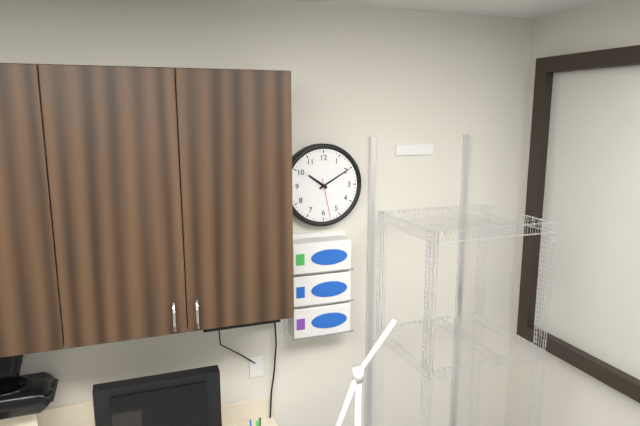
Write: 10,10
